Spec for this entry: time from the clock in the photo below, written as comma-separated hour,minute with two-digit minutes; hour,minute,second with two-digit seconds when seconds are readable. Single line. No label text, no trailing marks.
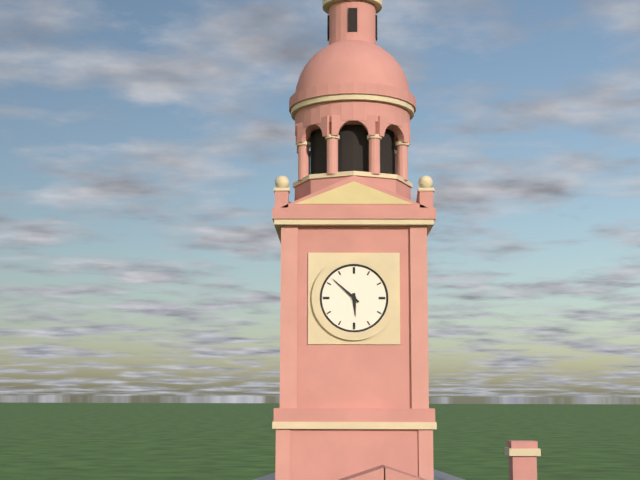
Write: 5,52
